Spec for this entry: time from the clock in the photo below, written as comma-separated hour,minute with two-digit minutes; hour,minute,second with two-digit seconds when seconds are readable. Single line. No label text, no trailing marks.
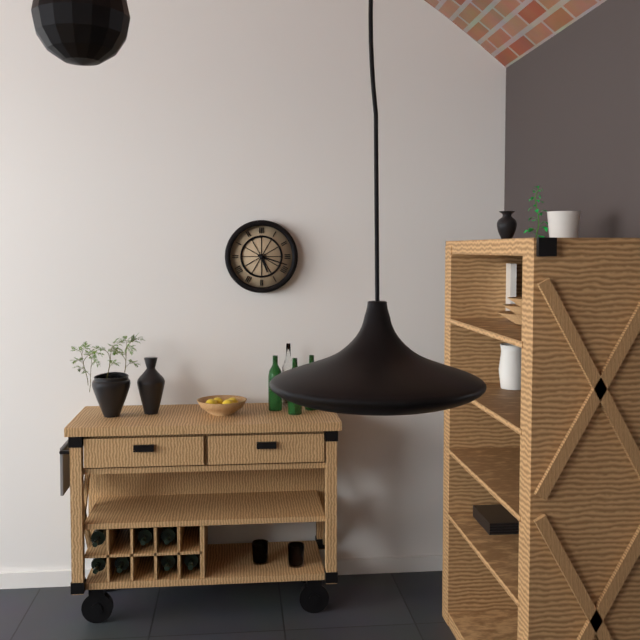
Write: 5,18
